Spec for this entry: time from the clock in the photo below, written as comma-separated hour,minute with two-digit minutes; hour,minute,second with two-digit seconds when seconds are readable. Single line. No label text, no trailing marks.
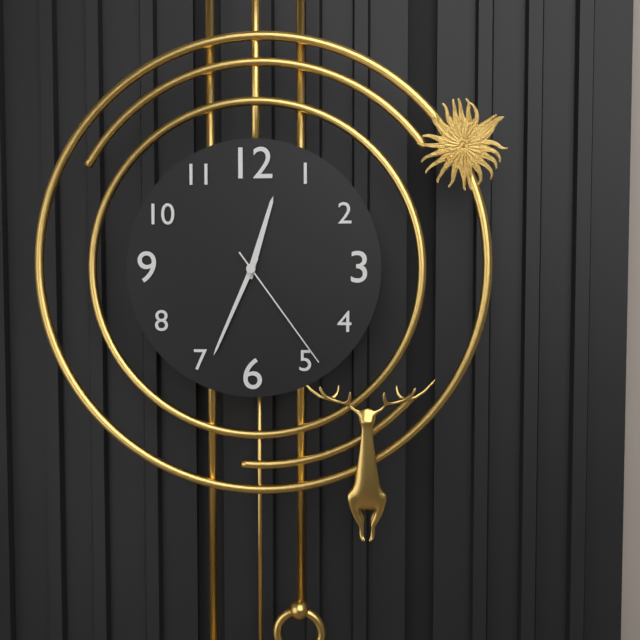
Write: 12,34,24
